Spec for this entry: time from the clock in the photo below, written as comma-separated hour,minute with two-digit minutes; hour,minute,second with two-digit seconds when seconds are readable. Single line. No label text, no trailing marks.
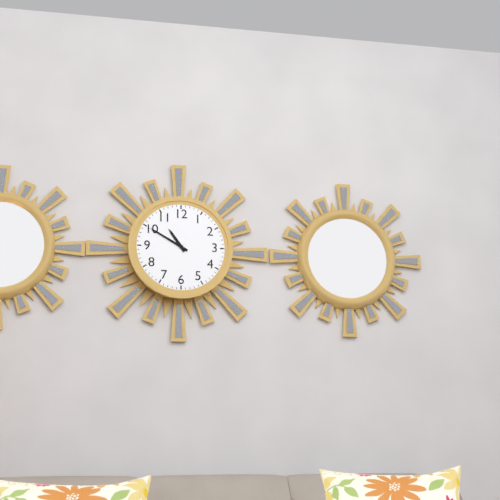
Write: 10,50
